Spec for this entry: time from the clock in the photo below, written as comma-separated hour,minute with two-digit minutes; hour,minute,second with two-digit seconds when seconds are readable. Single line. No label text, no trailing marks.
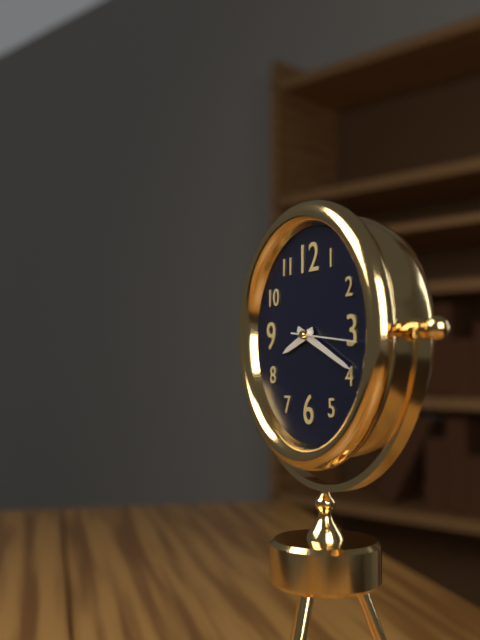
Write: 8,19,16
